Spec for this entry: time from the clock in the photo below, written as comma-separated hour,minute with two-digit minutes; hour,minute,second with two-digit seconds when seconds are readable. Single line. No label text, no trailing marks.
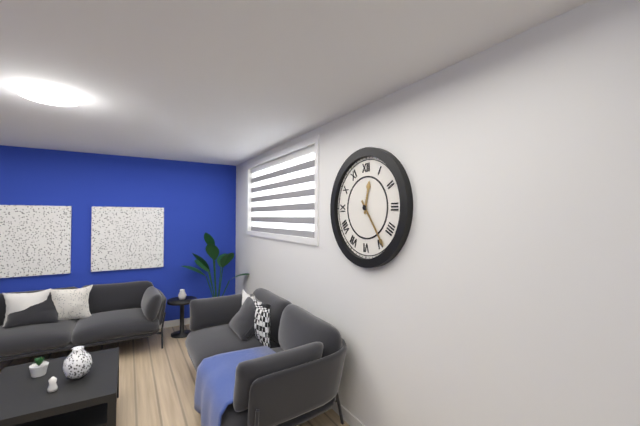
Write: 12,24
